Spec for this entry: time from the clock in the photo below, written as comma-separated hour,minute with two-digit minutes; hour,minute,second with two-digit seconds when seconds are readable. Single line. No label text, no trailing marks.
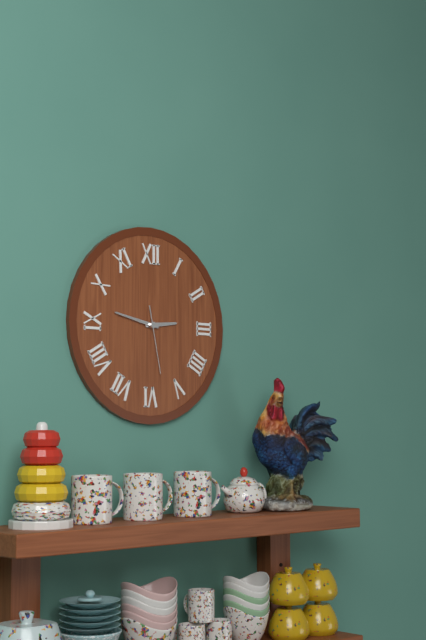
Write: 2,47,28
